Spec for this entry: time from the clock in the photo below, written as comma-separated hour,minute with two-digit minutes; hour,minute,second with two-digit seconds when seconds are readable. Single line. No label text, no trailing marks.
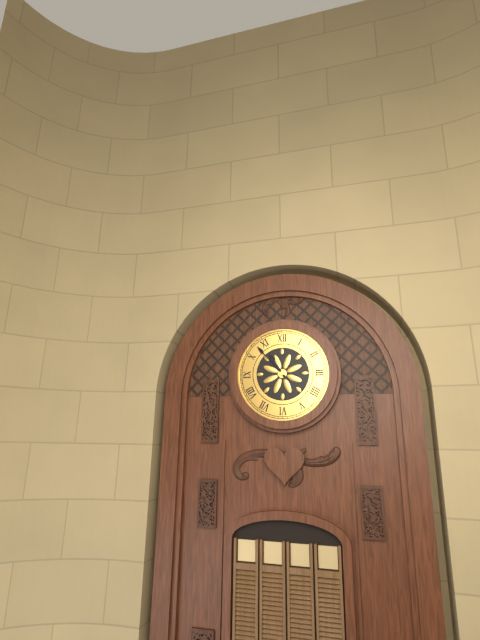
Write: 10,53
